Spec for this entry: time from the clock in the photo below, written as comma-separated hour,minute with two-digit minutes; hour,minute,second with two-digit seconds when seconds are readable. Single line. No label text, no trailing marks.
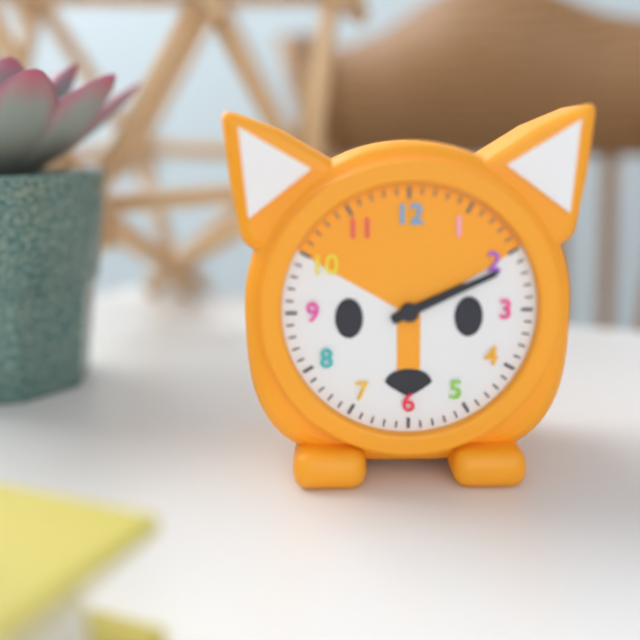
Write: 2,11
